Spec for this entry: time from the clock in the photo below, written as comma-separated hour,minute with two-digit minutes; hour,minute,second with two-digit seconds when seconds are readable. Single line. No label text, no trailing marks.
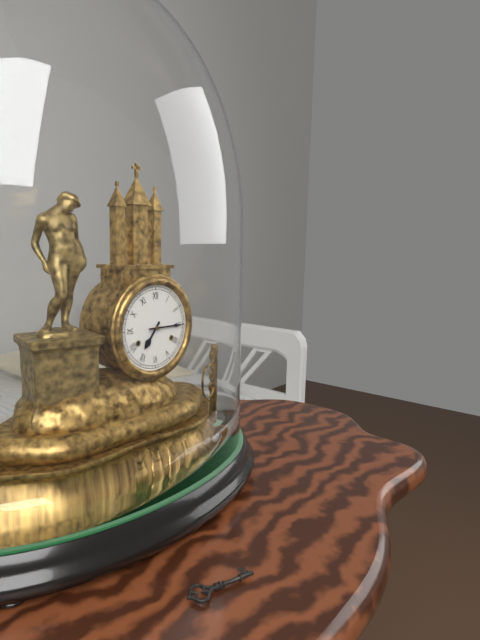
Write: 7,15
